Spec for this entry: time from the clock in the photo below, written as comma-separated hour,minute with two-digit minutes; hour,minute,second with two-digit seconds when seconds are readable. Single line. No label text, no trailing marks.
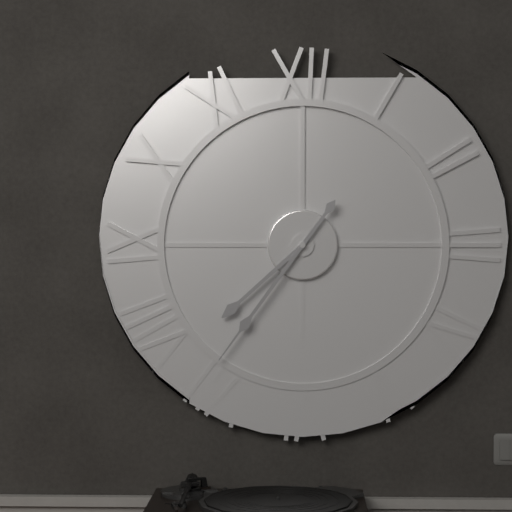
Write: 7,36
